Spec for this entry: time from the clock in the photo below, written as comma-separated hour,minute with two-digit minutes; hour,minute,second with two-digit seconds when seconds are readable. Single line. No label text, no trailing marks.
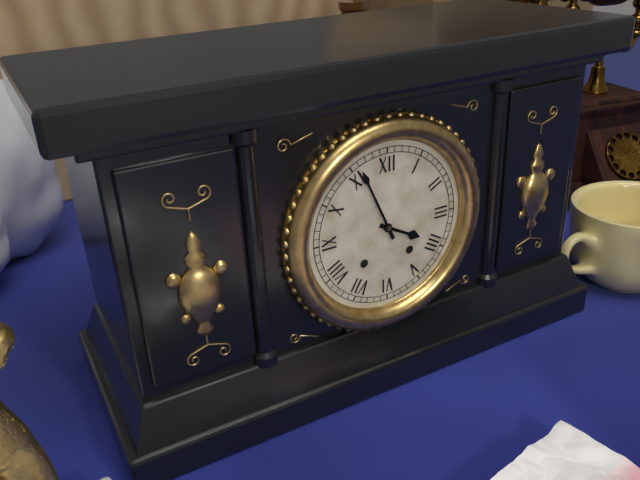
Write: 3,56
